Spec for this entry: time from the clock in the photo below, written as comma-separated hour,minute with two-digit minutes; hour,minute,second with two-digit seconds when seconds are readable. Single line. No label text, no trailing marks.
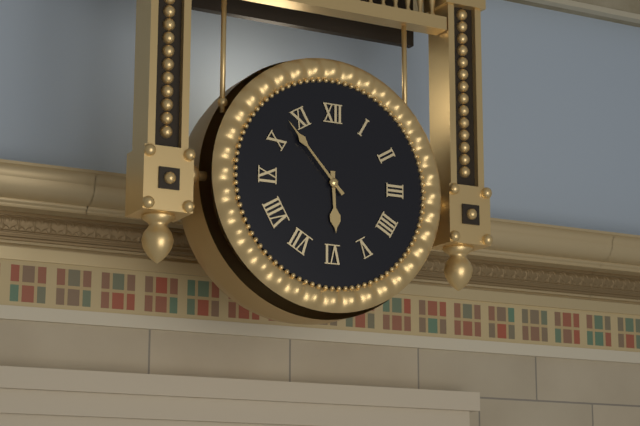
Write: 5,53
